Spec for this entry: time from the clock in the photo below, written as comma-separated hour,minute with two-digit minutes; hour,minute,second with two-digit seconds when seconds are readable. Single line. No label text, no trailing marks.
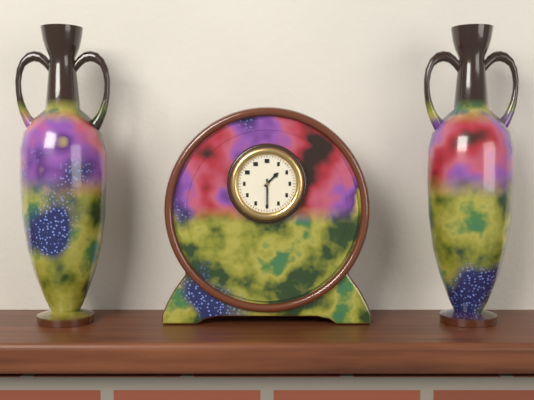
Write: 1,30
